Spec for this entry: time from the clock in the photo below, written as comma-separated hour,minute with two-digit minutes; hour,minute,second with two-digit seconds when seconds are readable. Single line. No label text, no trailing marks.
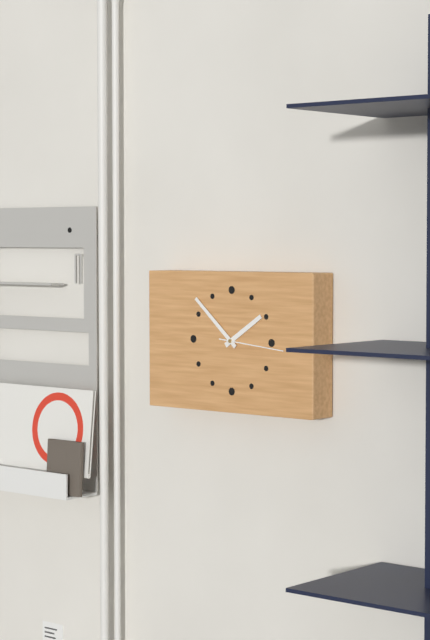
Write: 1,52,16
